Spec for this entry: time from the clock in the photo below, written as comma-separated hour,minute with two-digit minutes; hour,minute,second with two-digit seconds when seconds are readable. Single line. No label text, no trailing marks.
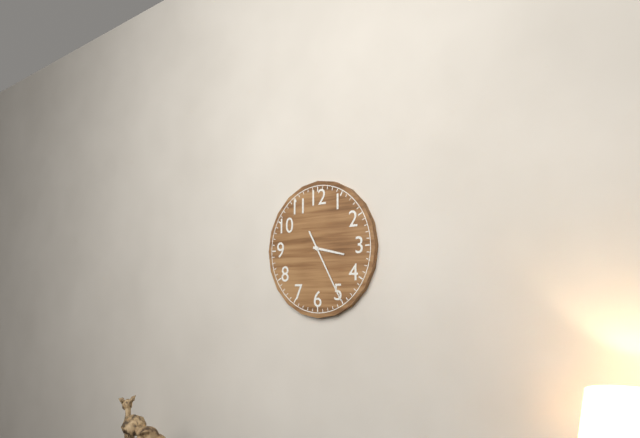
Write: 3,25
